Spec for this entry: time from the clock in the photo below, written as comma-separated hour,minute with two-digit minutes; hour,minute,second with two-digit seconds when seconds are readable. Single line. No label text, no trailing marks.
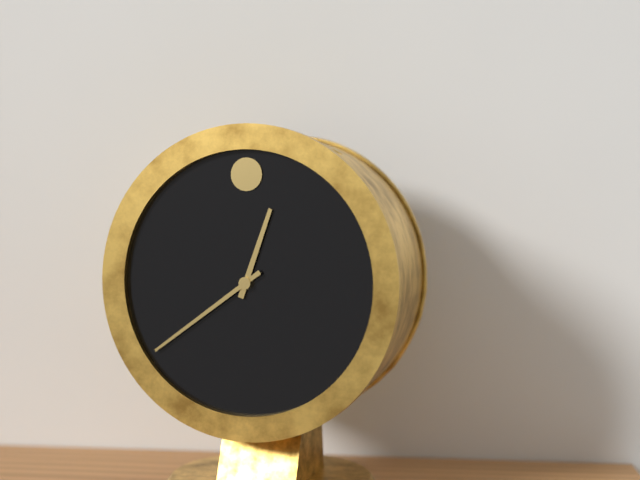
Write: 12,39
